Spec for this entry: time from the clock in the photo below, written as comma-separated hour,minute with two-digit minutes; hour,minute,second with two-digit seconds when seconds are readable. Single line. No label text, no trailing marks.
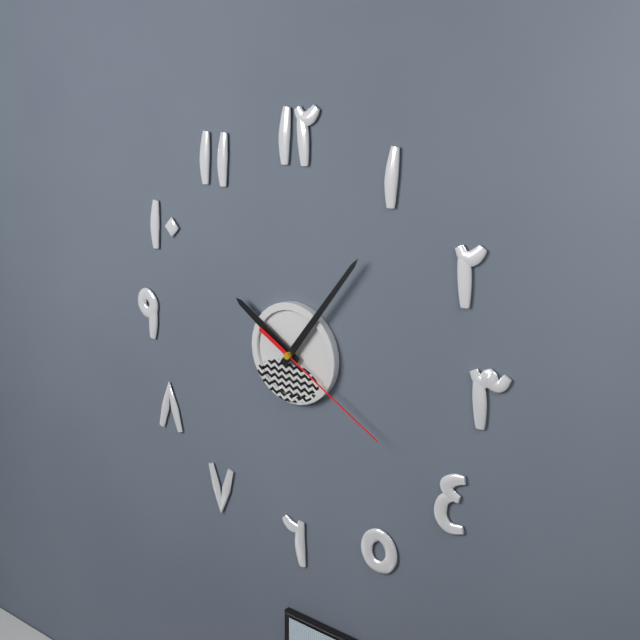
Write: 10,06,20
